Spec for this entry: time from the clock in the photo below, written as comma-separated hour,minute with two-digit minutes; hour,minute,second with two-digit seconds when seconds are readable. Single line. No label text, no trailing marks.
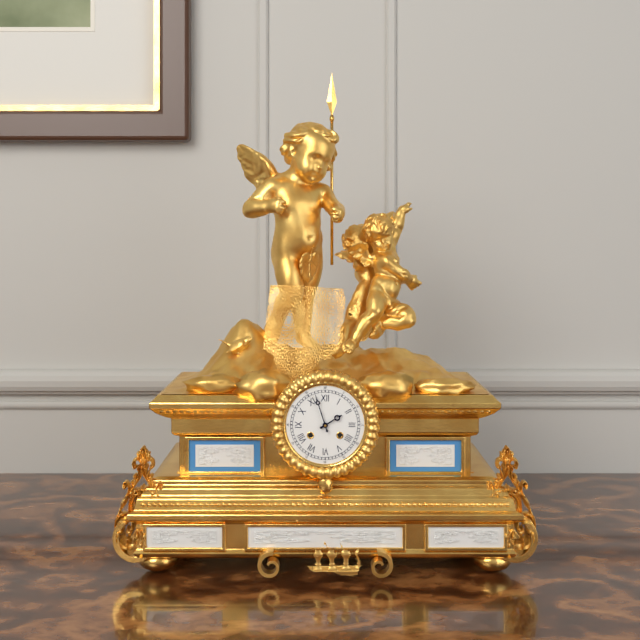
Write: 1,57
